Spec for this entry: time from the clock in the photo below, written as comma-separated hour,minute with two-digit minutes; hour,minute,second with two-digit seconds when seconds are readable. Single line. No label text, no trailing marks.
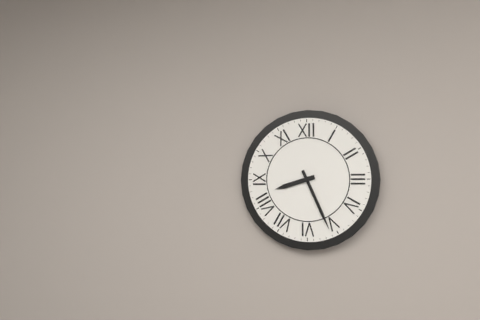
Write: 8,26
